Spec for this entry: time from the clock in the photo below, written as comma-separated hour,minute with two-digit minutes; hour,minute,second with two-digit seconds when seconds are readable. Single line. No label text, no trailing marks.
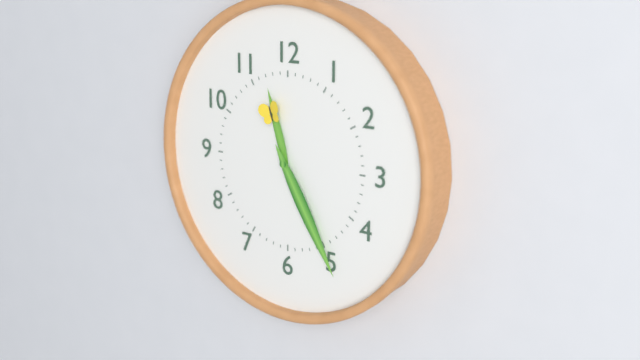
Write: 11,25
